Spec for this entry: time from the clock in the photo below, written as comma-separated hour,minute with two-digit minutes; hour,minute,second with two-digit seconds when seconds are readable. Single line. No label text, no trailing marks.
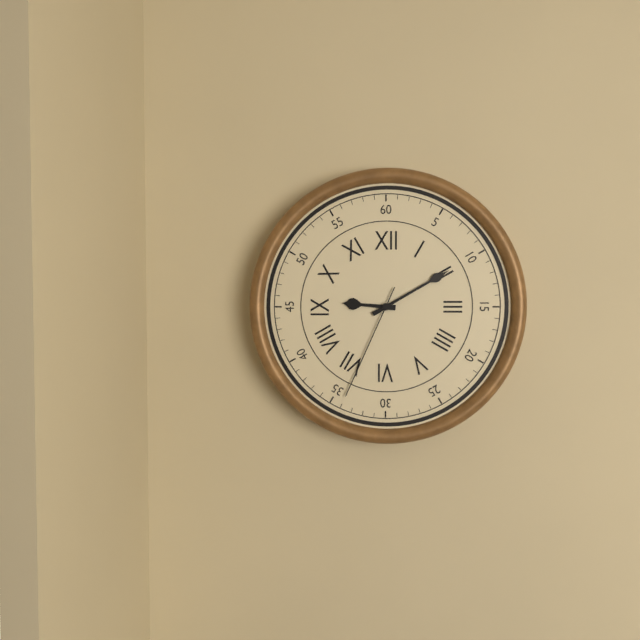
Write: 9,10,34
